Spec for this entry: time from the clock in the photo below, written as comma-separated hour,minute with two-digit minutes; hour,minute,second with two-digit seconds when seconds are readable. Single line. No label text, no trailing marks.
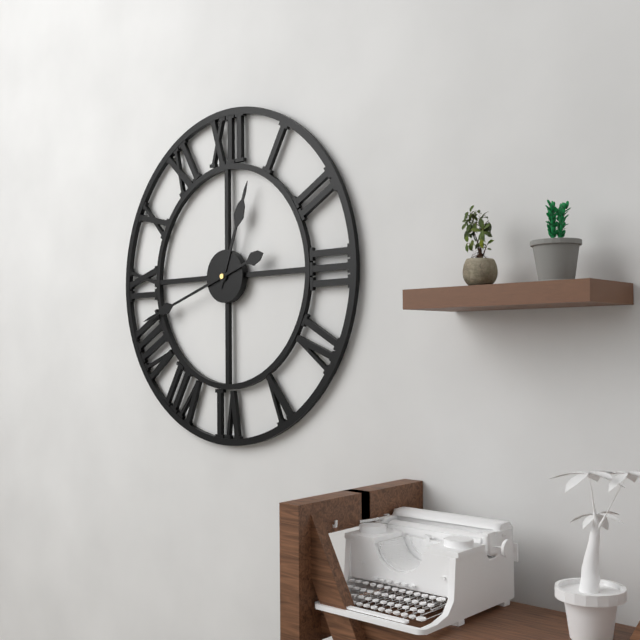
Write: 12,42
